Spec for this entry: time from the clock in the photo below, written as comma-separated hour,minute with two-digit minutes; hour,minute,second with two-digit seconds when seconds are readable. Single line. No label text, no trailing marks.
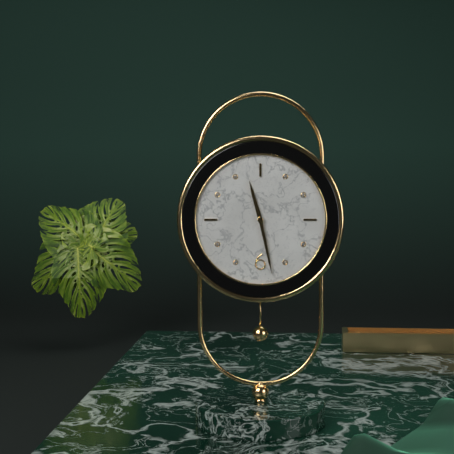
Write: 11,28
